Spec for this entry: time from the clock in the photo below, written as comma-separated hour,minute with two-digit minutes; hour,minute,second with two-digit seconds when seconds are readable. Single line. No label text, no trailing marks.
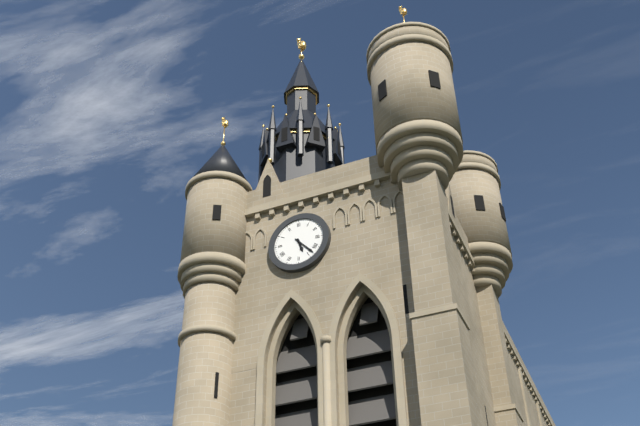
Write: 5,23
